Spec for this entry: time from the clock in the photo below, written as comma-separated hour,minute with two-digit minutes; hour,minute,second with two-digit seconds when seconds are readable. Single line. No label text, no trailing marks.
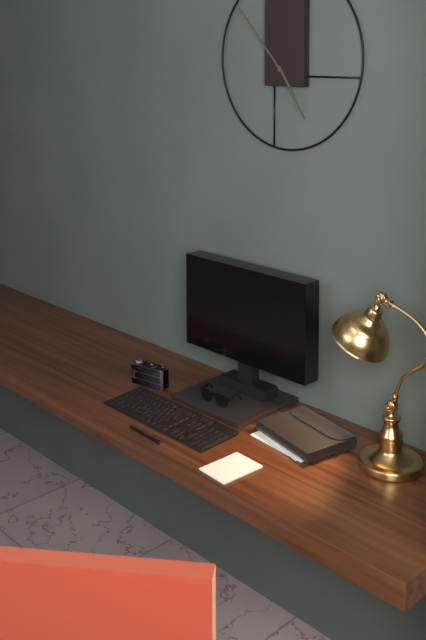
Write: 4,53
